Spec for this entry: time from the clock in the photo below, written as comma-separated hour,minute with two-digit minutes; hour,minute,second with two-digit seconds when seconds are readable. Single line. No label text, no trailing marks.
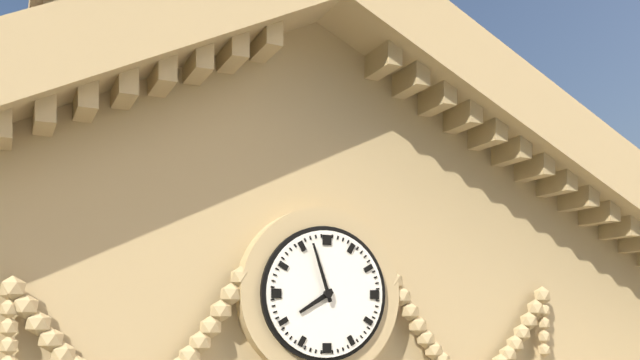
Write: 7,57
